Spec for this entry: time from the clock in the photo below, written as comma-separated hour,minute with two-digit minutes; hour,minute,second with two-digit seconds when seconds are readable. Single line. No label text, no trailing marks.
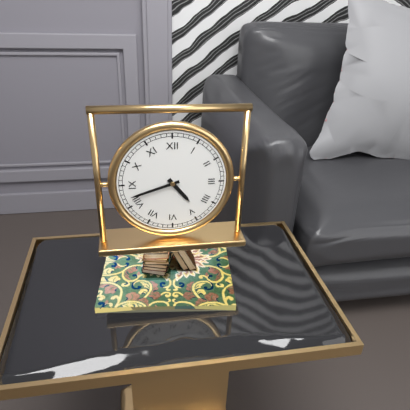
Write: 4,42
